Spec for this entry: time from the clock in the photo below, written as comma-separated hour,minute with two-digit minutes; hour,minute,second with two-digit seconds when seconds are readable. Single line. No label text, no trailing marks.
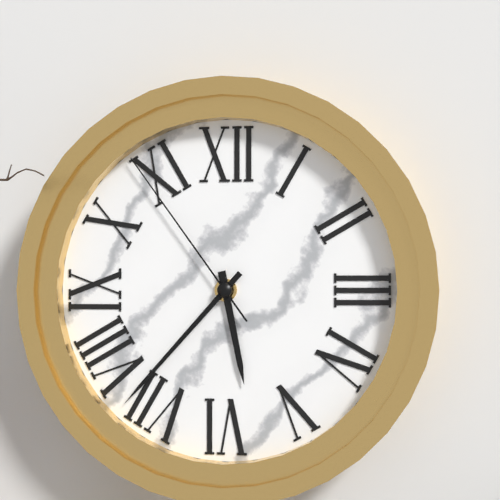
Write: 5,37,54
